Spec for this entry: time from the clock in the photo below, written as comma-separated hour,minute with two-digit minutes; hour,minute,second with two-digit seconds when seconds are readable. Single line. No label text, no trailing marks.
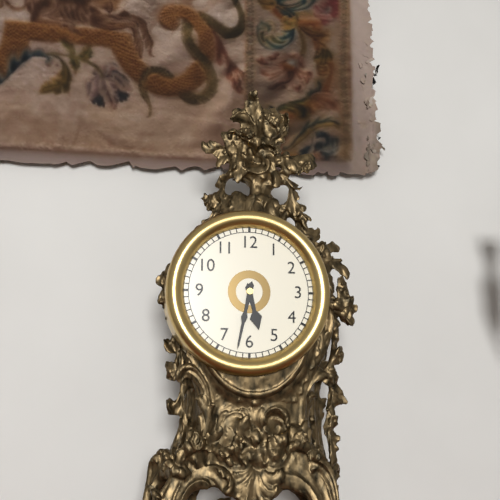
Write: 5,32
